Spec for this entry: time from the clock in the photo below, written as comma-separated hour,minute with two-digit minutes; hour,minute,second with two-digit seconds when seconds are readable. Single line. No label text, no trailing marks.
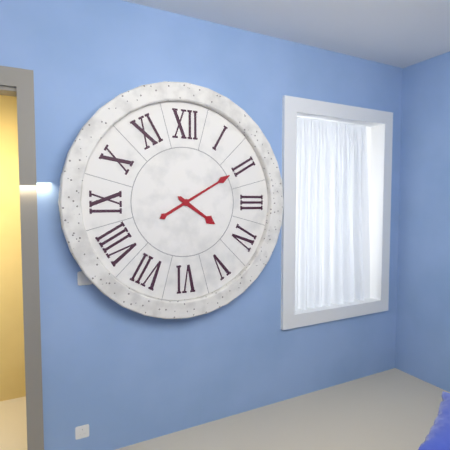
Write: 4,10
